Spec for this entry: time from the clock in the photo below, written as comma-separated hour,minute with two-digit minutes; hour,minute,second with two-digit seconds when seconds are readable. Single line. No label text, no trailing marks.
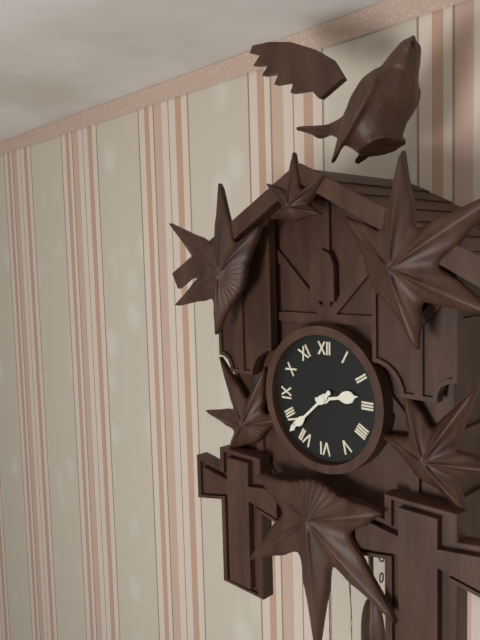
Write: 2,38
